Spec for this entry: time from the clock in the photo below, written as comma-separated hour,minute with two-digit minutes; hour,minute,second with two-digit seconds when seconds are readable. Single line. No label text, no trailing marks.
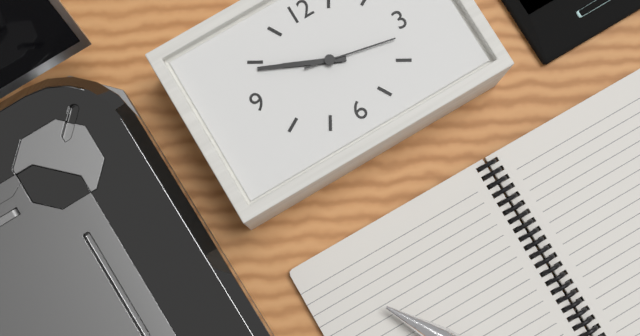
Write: 9,49,17
